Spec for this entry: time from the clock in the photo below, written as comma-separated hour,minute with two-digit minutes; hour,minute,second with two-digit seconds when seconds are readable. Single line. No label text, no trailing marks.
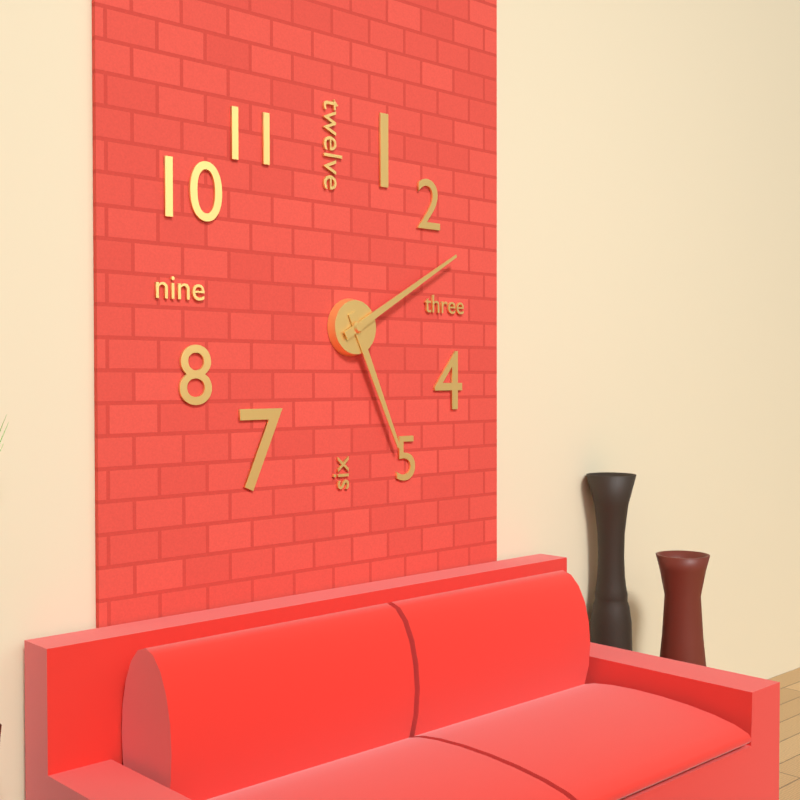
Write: 5,10
